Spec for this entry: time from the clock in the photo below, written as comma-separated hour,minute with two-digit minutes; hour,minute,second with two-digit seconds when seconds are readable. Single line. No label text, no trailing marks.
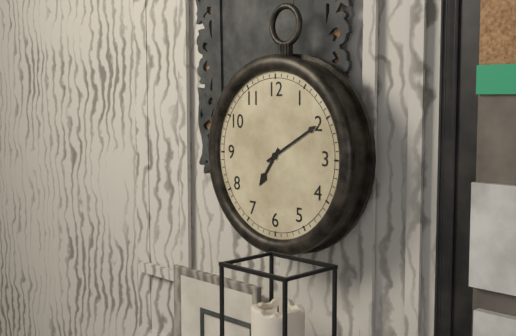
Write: 7,10
